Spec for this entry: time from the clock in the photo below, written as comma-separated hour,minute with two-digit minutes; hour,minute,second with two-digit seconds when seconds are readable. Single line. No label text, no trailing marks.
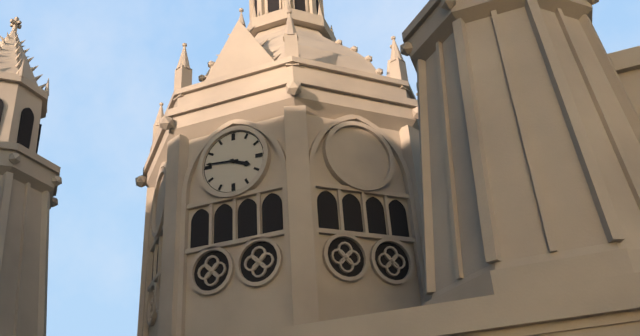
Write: 3,46
